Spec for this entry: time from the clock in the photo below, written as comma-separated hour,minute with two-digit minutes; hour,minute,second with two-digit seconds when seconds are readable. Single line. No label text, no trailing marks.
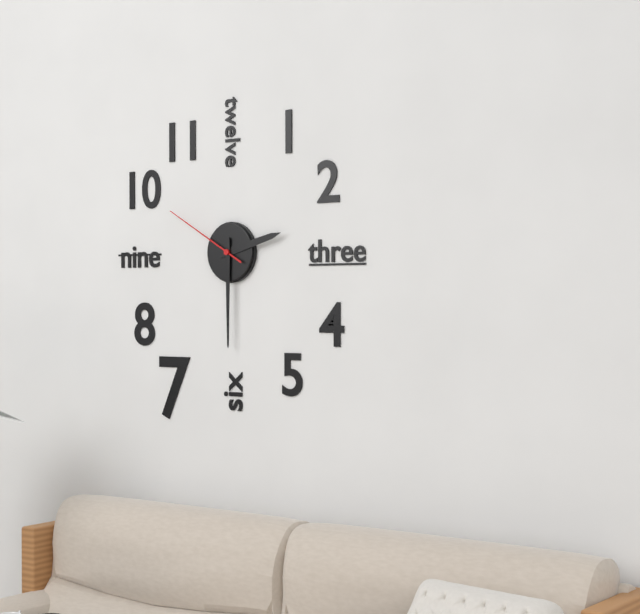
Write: 2,30,50
